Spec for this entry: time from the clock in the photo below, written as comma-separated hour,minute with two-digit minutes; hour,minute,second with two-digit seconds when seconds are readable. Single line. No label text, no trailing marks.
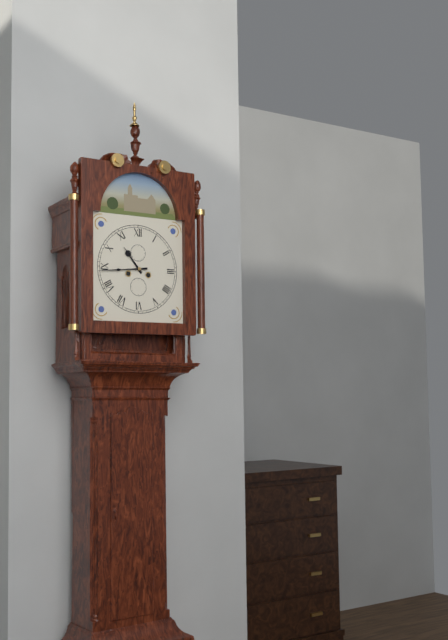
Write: 10,44
